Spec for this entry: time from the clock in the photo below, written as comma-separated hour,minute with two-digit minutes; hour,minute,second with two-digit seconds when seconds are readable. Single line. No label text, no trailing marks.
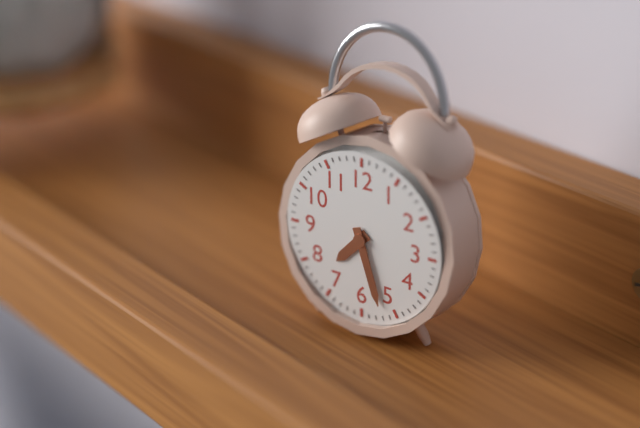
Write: 7,27
